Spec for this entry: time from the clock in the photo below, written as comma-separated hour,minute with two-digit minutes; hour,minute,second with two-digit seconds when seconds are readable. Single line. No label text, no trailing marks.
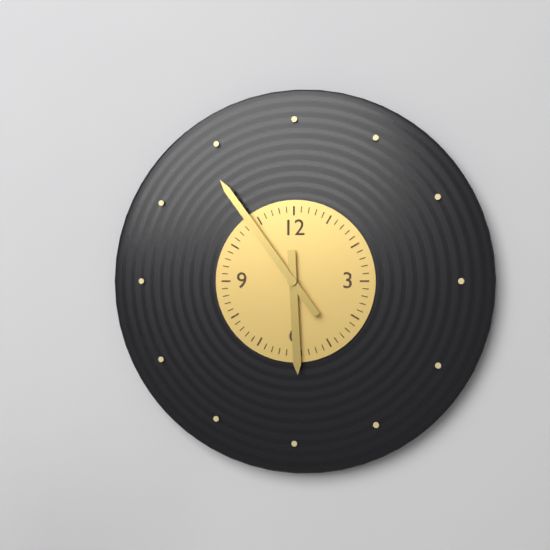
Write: 5,54
